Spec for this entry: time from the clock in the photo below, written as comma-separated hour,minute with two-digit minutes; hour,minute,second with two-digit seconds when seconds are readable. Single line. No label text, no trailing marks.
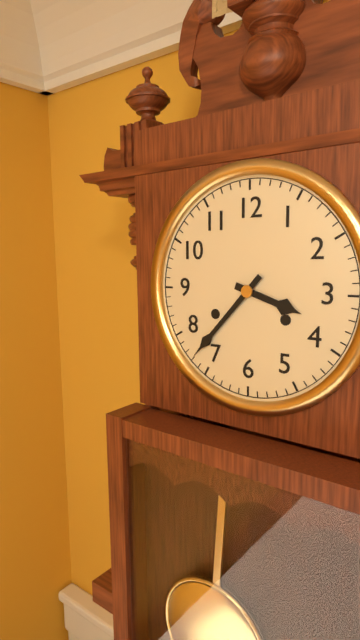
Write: 3,37
